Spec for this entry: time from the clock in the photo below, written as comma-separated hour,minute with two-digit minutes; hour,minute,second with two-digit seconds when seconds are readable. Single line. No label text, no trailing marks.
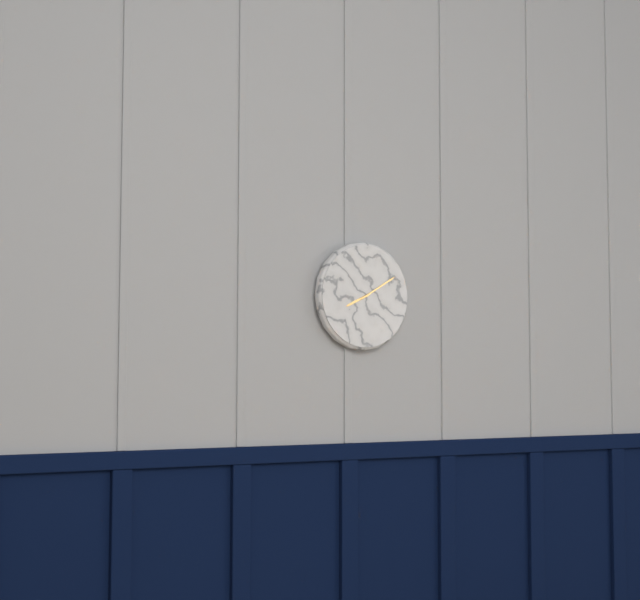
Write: 8,10
